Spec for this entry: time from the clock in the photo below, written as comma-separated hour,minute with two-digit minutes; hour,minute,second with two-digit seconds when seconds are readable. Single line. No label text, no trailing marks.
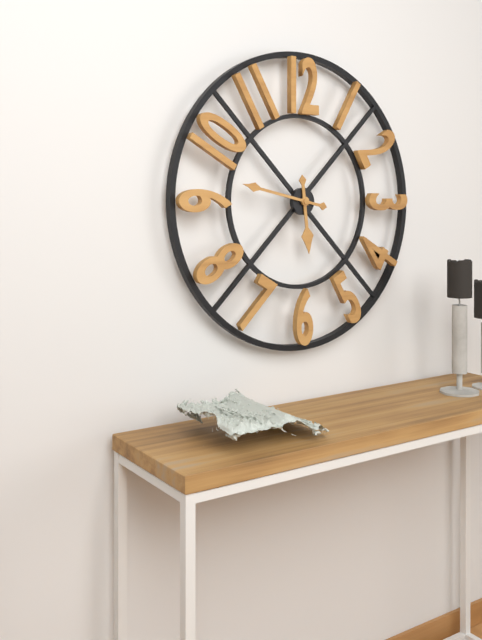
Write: 5,47
